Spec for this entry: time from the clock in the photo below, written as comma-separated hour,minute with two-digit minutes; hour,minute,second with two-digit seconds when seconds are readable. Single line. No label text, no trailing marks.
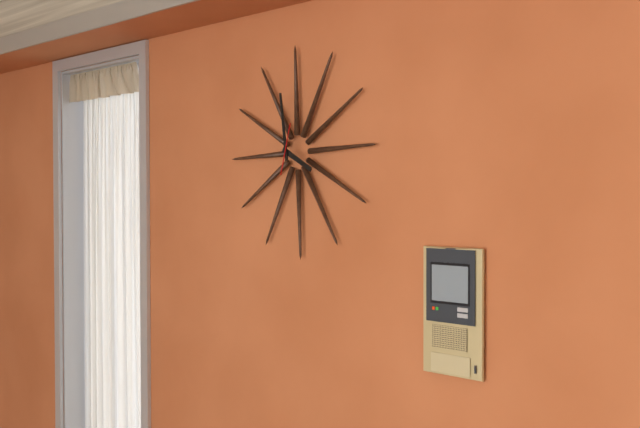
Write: 3,59
